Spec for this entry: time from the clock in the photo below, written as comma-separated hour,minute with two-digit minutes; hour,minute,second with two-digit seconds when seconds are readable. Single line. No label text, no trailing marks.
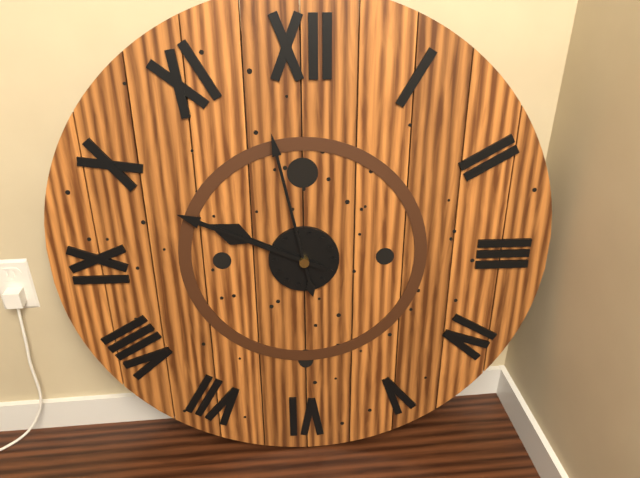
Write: 9,49,58
